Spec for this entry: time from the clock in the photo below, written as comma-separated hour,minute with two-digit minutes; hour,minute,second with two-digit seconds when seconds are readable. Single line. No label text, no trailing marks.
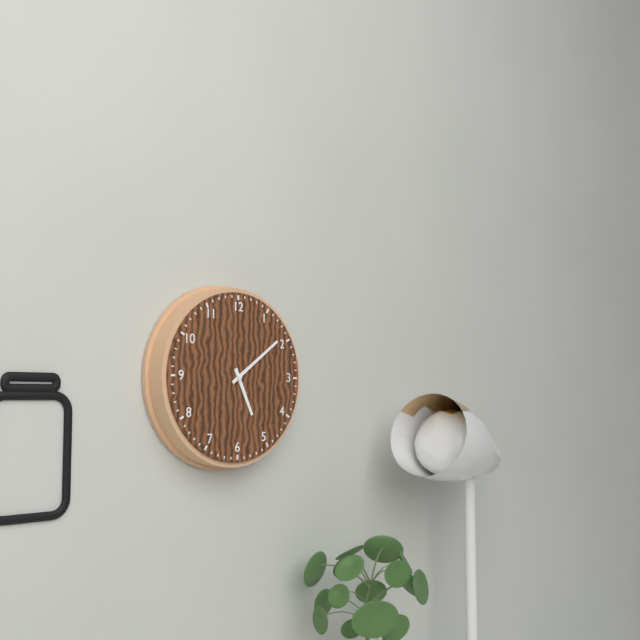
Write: 5,09
